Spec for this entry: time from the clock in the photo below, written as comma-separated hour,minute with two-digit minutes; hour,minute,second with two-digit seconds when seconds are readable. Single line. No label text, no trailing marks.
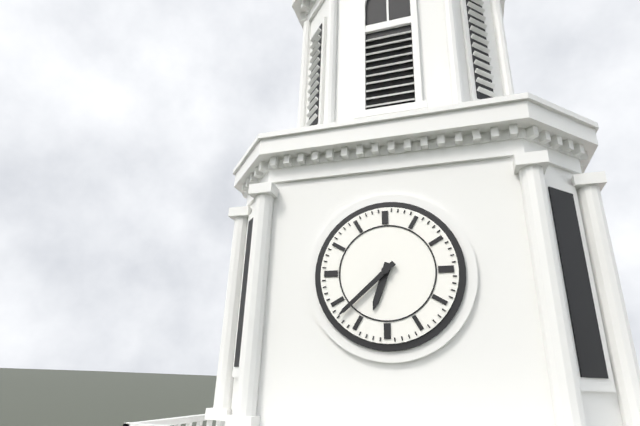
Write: 6,38
